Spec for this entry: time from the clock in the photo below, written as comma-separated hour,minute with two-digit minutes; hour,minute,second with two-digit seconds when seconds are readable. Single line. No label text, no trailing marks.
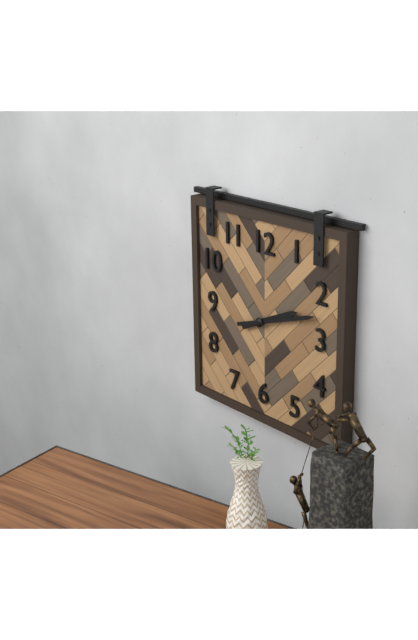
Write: 2,12
